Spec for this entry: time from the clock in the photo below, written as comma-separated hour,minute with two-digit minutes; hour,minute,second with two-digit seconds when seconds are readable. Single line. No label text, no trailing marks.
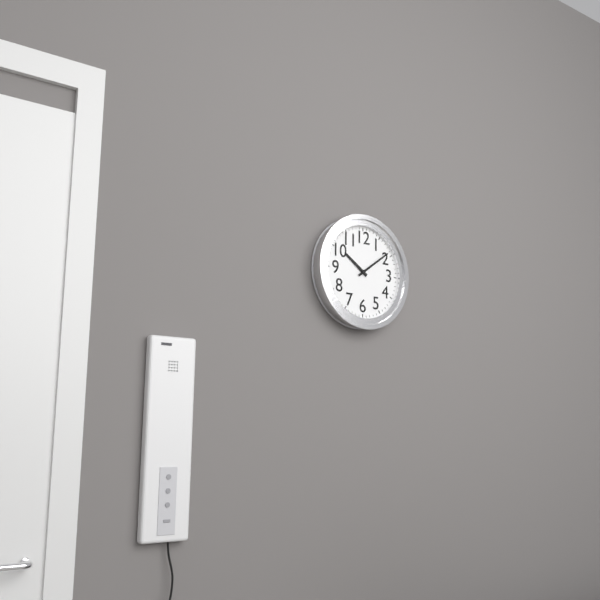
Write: 10,09
